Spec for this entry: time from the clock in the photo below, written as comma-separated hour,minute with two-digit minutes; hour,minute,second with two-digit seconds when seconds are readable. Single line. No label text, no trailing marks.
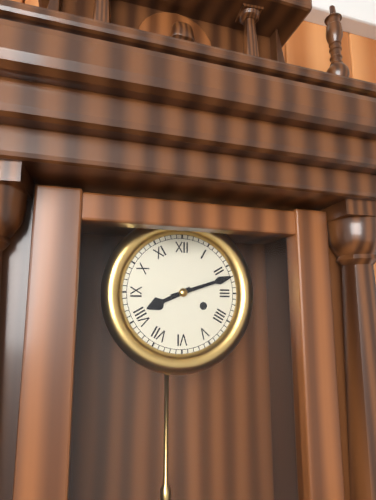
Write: 8,12
